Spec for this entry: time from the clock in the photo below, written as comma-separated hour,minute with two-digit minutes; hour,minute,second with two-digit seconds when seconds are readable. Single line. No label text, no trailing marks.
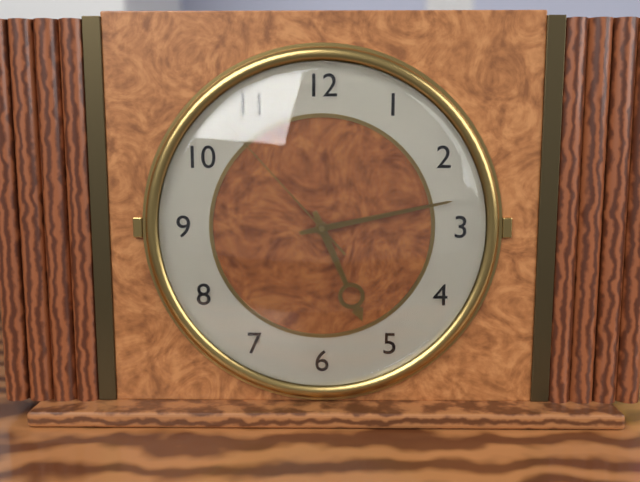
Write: 5,13,53
